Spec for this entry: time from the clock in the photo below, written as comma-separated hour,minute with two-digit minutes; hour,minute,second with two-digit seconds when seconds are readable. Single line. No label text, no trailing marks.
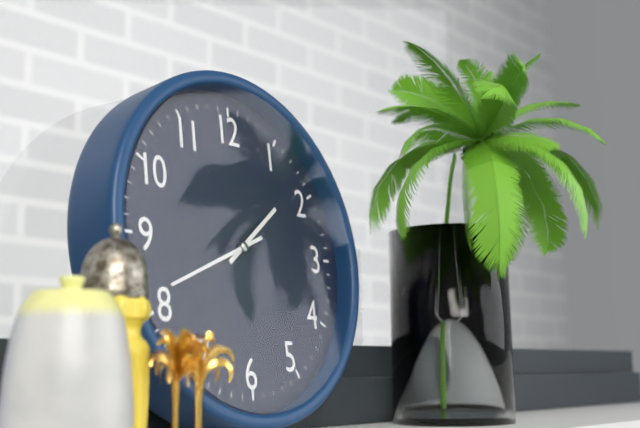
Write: 1,41
